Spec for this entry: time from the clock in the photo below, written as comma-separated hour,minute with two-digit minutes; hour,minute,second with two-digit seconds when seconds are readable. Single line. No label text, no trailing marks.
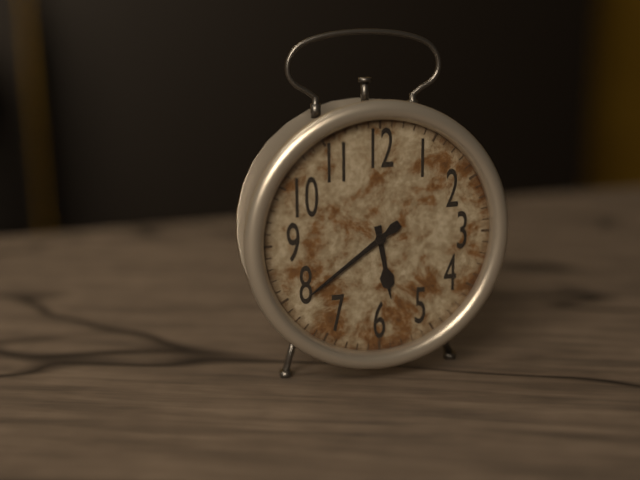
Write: 5,39
